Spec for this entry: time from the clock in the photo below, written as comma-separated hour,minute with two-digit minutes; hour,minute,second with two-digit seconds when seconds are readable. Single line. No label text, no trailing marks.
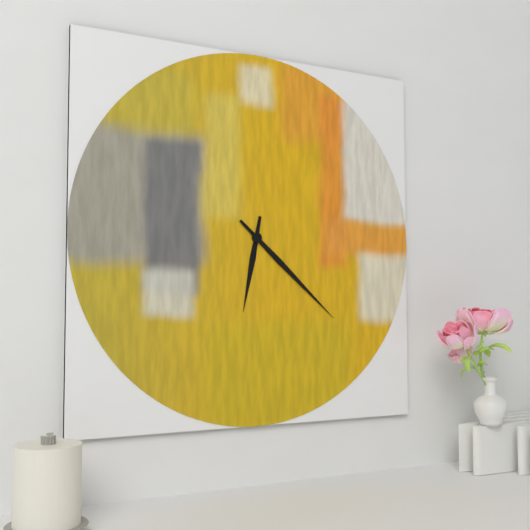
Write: 6,22
